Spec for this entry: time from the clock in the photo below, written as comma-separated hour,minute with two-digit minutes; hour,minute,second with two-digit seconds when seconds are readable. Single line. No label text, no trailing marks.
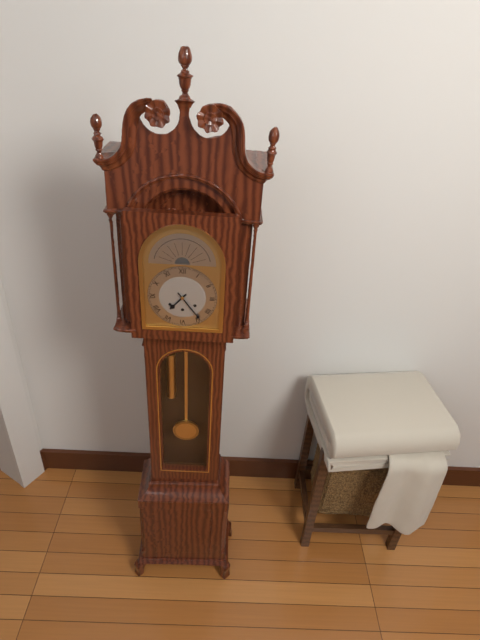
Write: 7,24
